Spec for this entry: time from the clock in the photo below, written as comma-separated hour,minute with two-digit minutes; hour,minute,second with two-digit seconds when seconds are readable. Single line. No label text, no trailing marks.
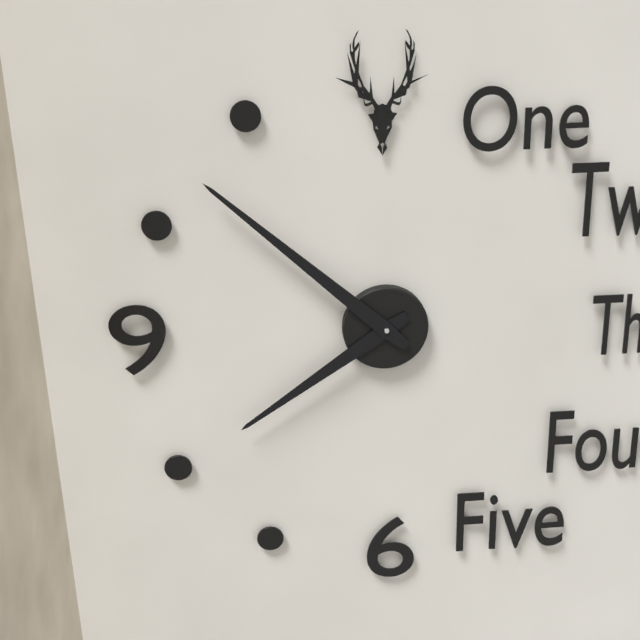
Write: 7,52
